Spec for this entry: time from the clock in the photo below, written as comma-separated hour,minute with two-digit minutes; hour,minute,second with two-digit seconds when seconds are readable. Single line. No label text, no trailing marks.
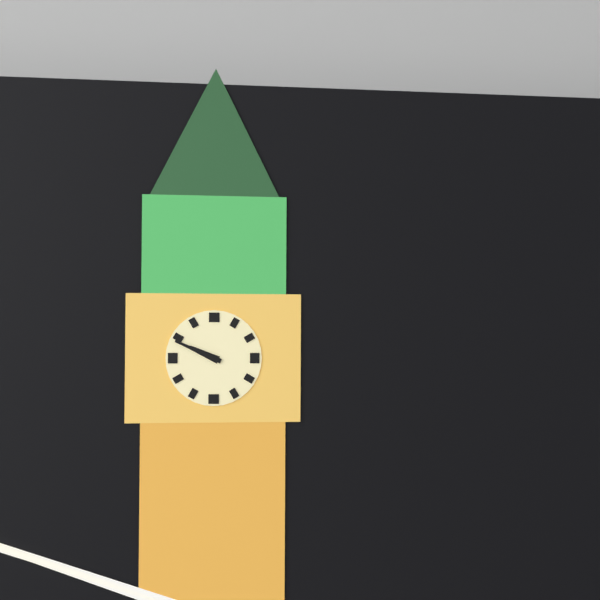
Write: 9,49
